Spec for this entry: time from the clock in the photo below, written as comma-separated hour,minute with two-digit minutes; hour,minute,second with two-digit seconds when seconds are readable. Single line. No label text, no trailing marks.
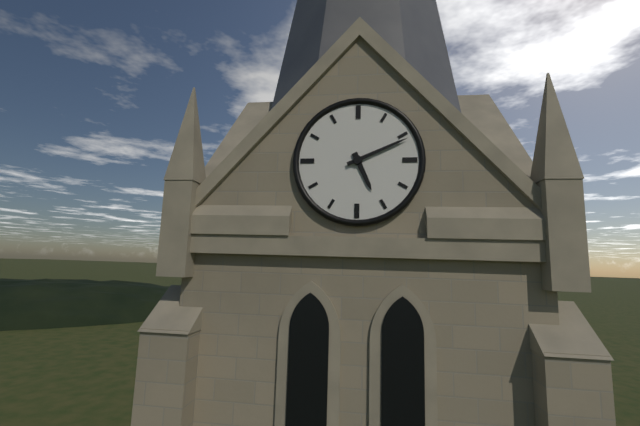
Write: 5,11
